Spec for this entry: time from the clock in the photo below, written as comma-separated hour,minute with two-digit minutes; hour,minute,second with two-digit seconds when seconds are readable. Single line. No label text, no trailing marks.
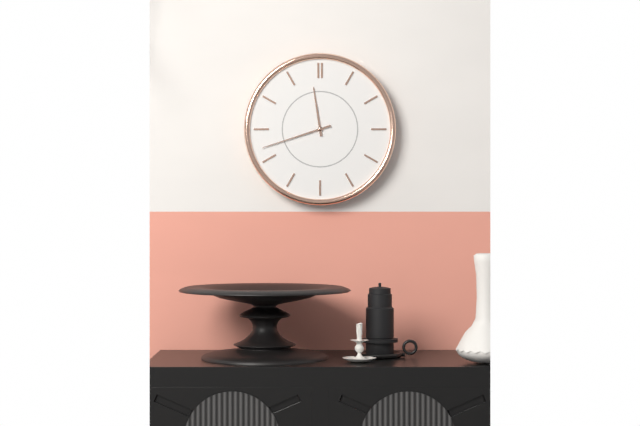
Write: 11,42
